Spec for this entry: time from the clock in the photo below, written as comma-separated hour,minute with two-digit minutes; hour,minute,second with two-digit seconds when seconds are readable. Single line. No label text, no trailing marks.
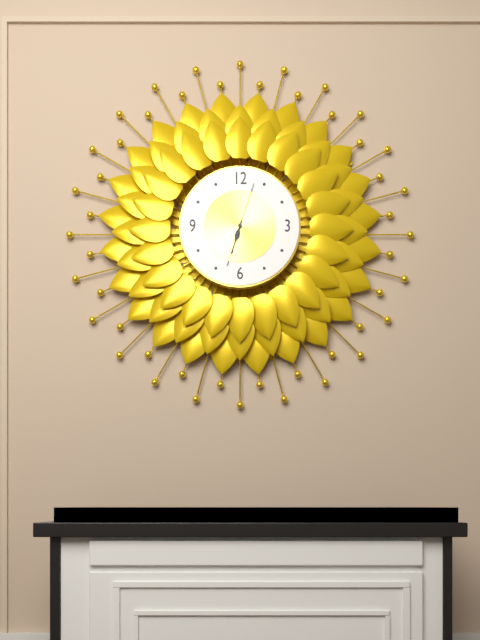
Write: 6,33,03
